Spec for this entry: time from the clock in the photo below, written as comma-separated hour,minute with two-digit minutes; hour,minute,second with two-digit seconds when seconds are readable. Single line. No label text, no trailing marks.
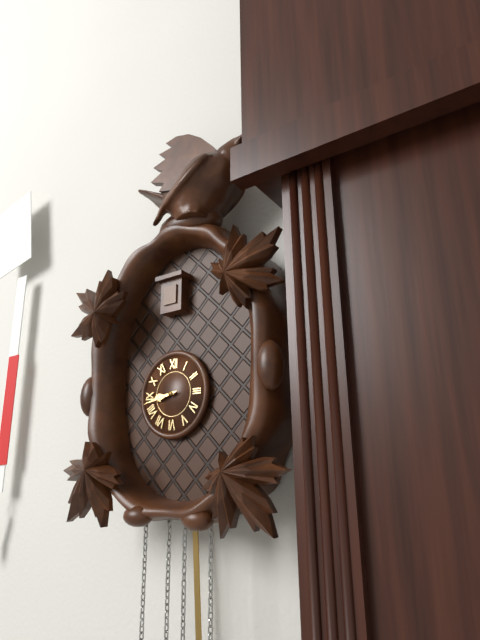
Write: 8,43
